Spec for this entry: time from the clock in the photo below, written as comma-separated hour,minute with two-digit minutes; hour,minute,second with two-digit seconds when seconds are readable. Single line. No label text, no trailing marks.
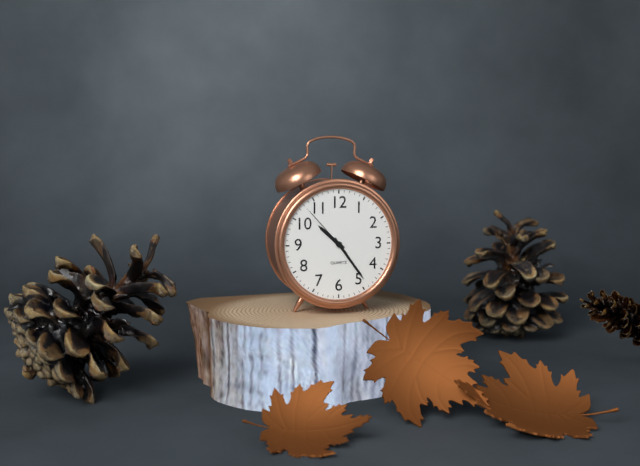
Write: 10,24,53
